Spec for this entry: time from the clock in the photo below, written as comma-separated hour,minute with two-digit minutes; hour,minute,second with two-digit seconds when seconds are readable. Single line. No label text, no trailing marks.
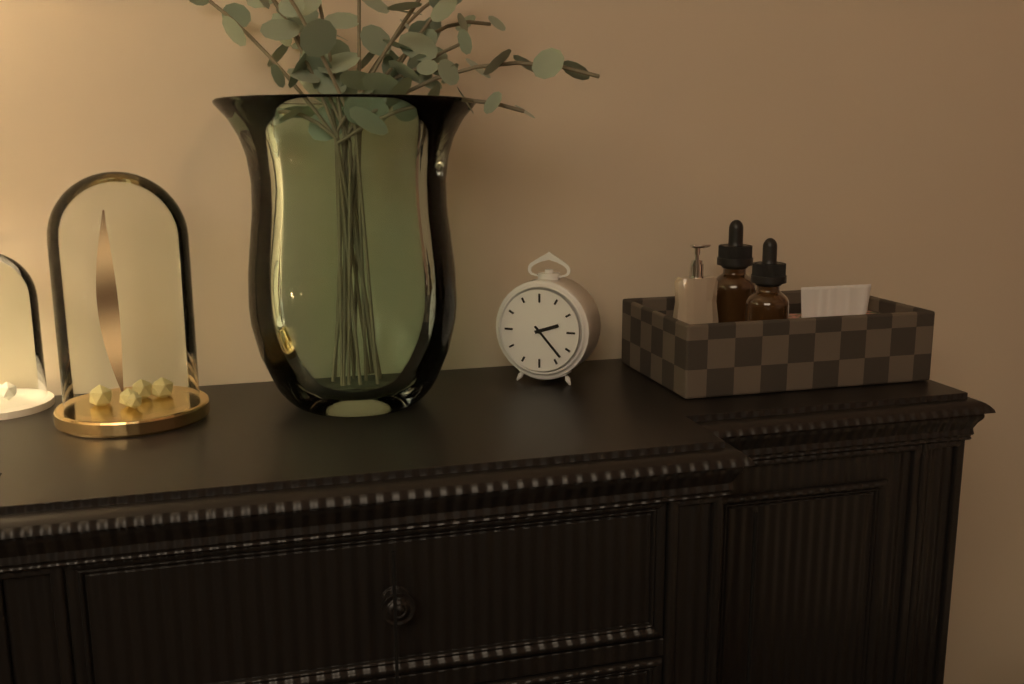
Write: 2,23
